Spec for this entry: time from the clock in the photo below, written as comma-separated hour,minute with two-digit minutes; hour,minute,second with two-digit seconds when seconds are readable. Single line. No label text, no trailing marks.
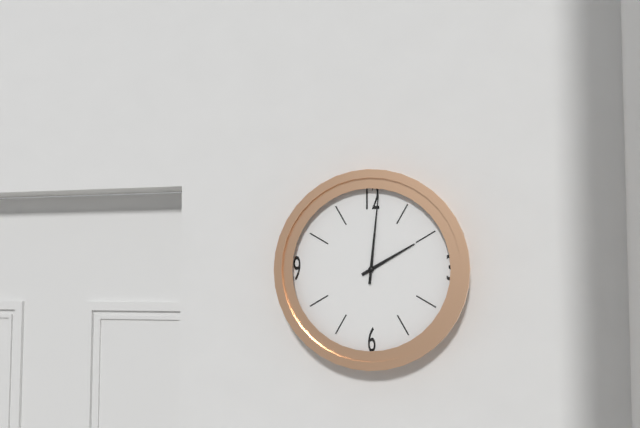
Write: 2,01
